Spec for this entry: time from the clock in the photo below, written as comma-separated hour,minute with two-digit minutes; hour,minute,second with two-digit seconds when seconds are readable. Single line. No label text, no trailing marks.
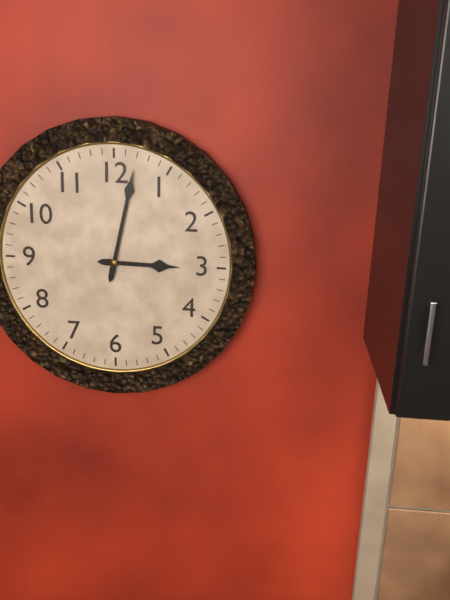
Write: 3,02
